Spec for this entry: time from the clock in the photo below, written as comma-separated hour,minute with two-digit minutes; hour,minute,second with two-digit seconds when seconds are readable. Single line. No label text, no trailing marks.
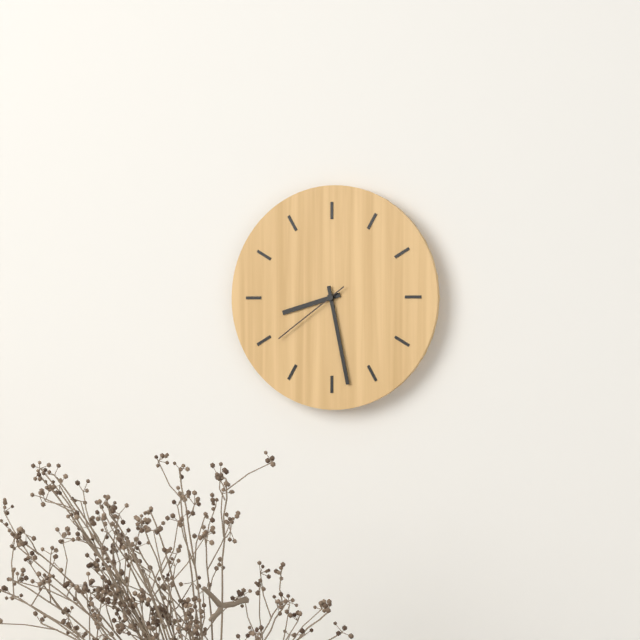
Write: 8,28,39
